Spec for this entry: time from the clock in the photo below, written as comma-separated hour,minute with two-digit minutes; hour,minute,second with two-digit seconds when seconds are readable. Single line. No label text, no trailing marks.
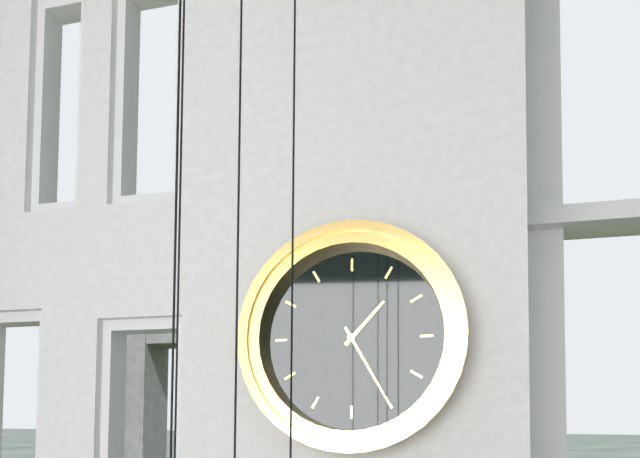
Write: 1,25
